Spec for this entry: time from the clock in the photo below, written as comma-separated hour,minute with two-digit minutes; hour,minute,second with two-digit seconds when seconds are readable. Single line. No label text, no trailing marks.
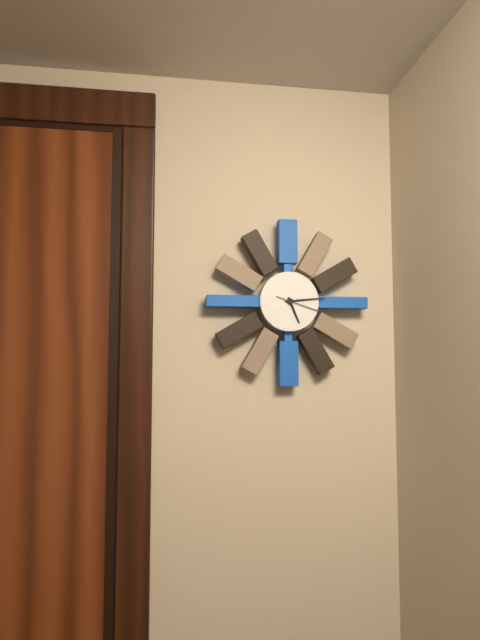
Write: 5,14
